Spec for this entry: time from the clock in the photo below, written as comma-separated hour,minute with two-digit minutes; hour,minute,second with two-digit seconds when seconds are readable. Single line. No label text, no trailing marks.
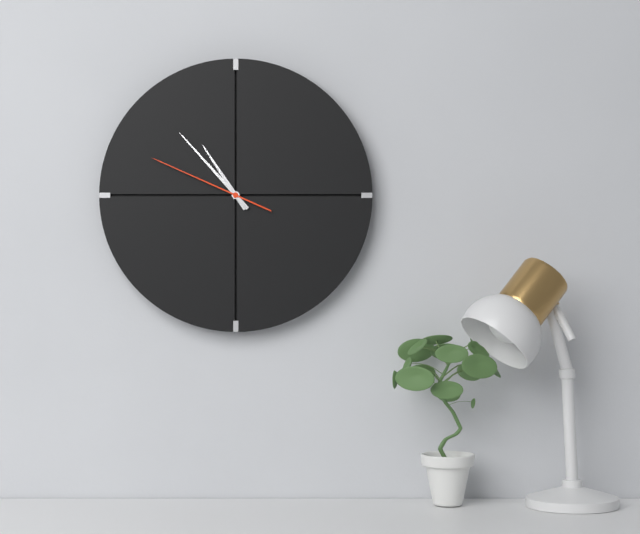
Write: 10,53,49
